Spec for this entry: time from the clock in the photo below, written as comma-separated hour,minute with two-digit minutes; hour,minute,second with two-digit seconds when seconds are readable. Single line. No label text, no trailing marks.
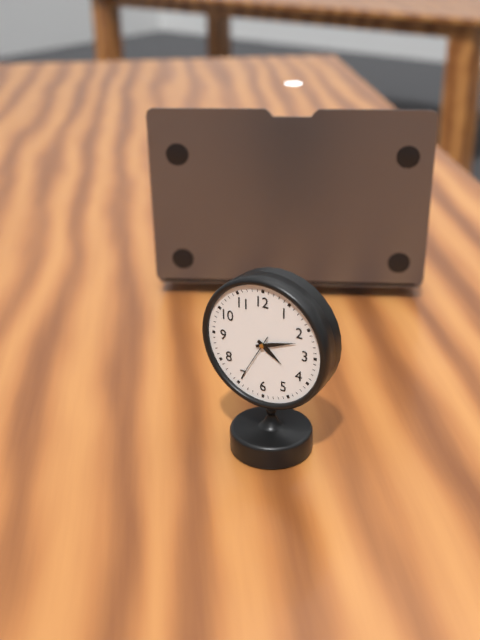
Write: 4,12
